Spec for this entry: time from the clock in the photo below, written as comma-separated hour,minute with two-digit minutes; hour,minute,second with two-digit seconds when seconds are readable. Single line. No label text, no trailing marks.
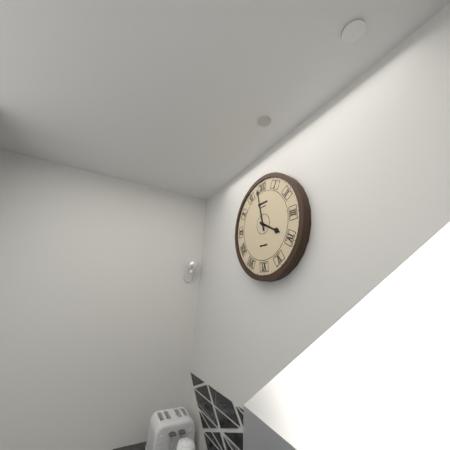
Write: 3,58
